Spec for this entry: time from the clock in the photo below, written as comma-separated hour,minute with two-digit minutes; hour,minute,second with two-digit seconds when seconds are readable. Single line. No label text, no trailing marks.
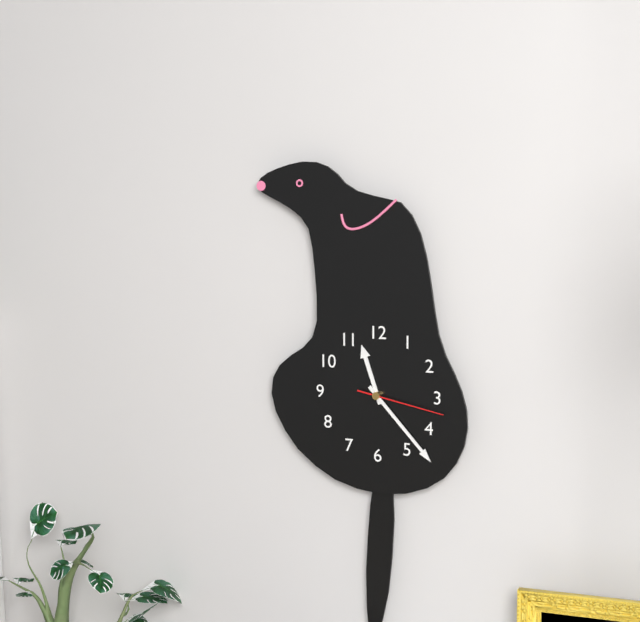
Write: 11,23,17
